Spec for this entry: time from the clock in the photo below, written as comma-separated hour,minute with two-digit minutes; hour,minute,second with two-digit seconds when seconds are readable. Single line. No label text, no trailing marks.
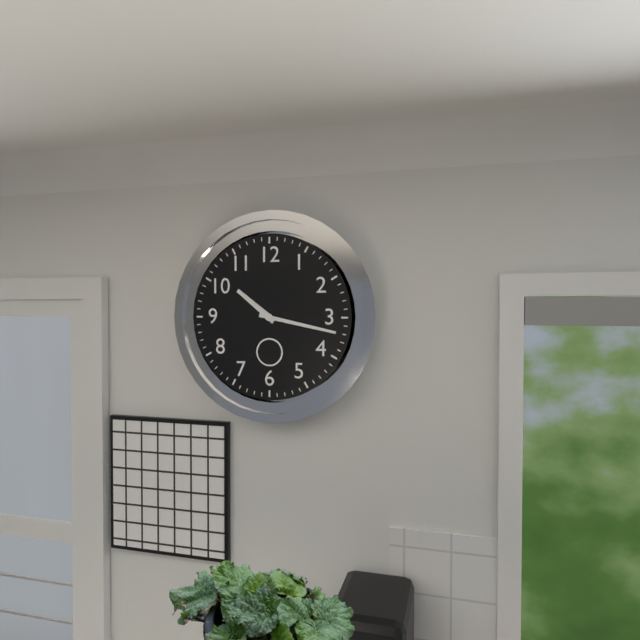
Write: 10,17
